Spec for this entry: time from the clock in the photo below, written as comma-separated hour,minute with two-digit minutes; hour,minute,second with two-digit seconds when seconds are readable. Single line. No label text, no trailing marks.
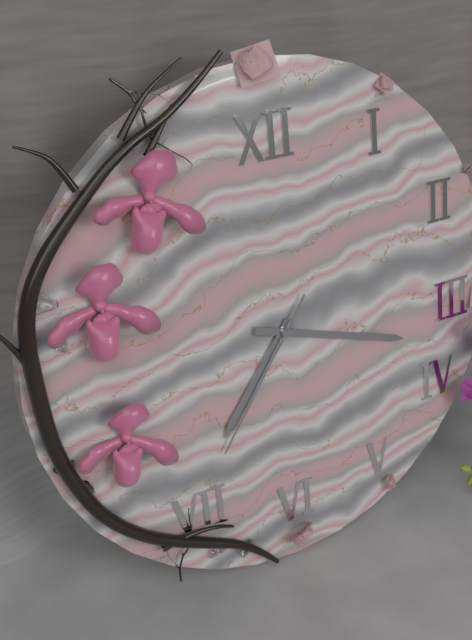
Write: 7,18,36
